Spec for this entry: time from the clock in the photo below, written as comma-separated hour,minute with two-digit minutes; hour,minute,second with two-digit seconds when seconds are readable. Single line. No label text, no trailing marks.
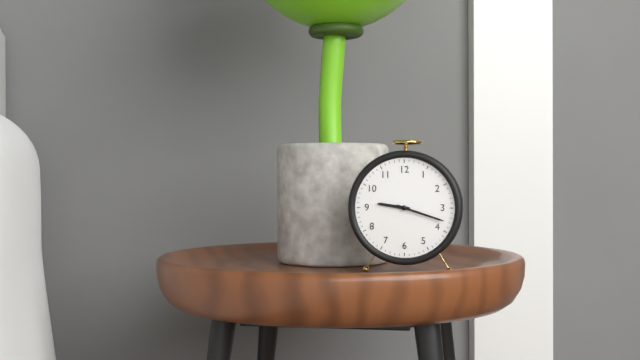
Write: 9,18
